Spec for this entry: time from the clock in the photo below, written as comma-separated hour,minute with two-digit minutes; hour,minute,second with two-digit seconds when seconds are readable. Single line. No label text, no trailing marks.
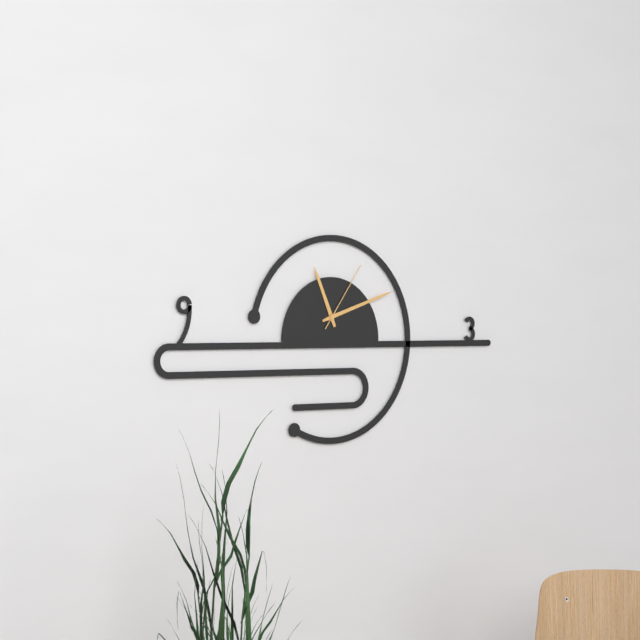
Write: 11,12,06
